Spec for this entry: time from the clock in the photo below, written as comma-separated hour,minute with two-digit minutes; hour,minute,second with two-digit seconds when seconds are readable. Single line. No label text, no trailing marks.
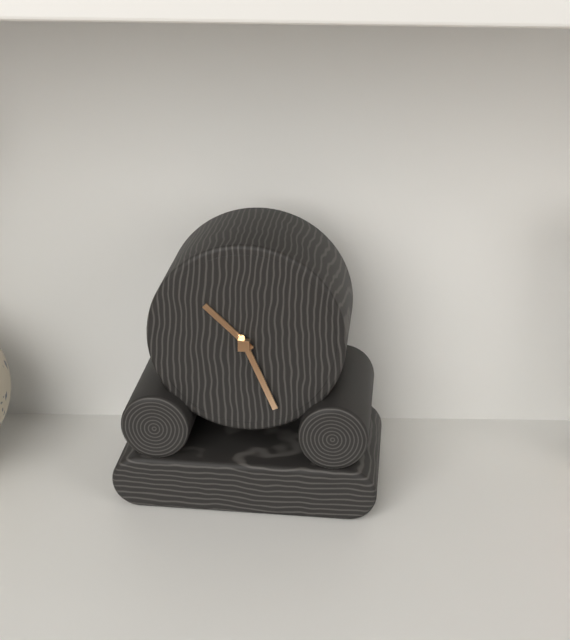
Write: 10,26
